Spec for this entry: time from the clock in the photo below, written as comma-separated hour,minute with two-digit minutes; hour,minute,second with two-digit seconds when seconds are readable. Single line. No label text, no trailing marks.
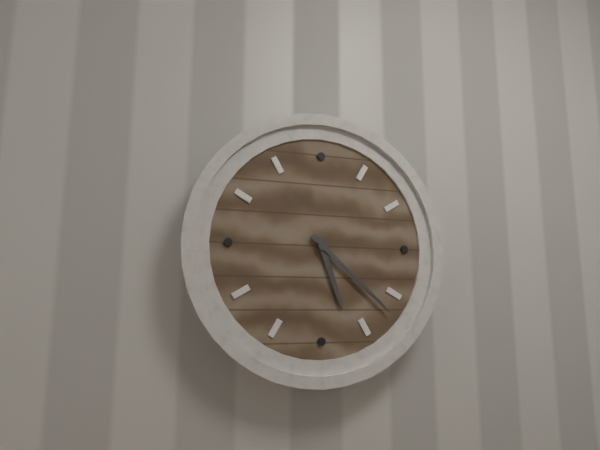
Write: 5,22
